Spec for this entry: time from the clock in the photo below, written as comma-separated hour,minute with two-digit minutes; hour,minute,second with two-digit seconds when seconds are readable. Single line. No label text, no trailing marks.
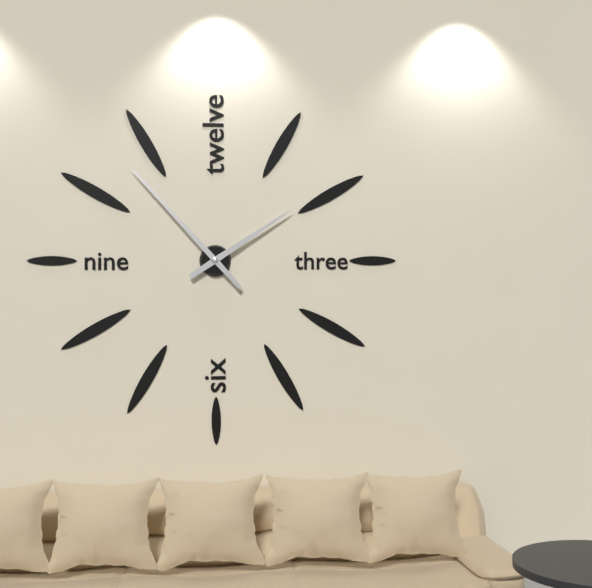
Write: 1,53
